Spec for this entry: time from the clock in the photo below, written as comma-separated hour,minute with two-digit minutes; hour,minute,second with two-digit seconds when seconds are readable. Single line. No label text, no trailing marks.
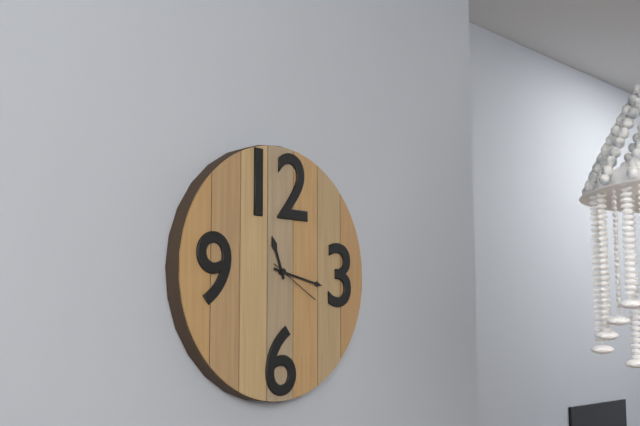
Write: 11,17,20
